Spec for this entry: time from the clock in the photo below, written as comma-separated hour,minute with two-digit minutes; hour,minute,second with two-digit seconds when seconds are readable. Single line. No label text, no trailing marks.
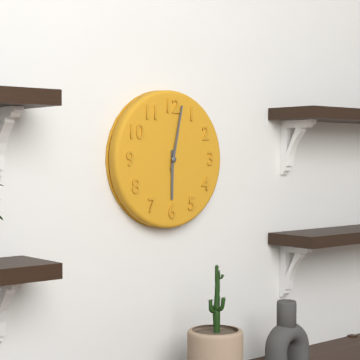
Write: 6,02
